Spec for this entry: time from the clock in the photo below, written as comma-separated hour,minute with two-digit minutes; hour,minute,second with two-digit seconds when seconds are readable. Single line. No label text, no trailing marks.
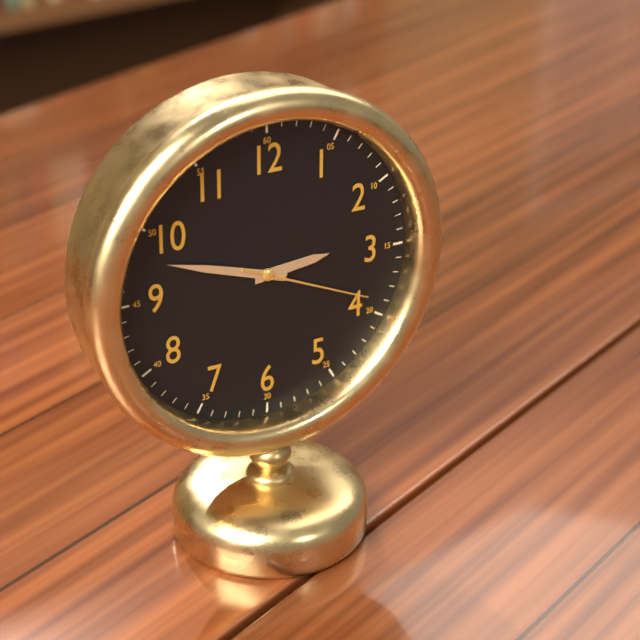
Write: 2,48,19
